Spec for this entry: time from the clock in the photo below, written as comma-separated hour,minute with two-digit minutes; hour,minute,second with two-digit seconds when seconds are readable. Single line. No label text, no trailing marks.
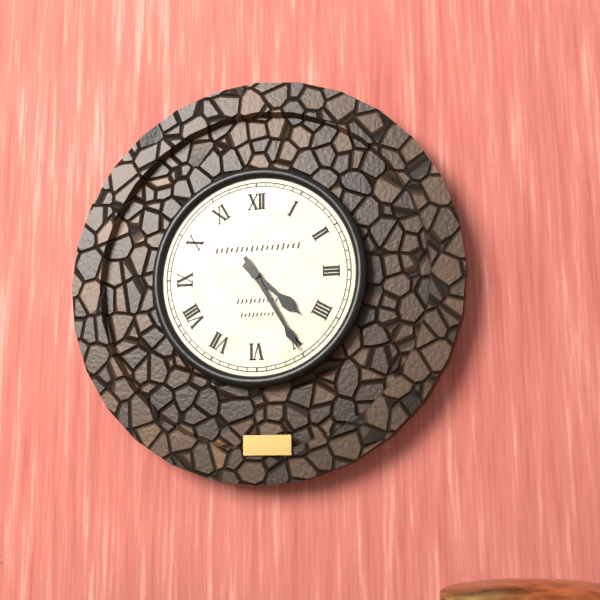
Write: 4,25
